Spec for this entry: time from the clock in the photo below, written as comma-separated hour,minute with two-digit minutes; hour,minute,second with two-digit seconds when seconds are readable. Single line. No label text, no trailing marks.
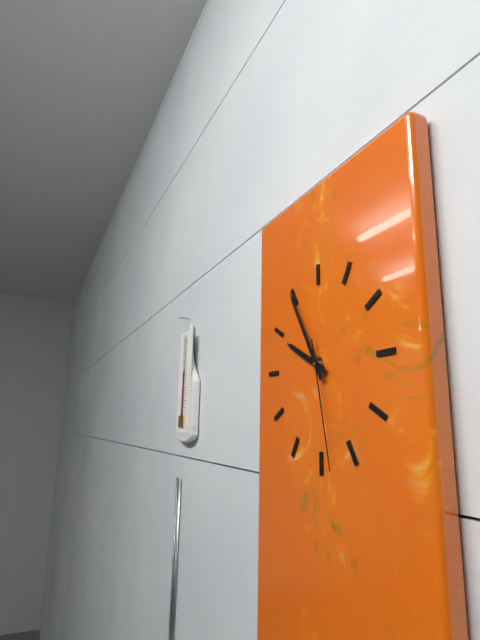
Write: 9,55,28
